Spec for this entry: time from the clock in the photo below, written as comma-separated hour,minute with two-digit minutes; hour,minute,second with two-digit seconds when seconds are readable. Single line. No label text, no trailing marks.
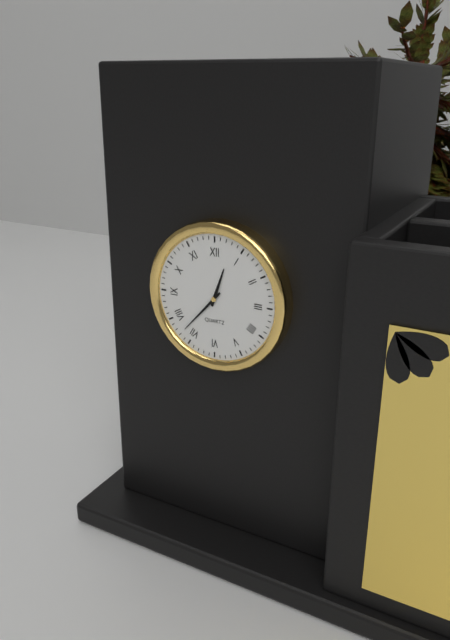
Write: 12,37
